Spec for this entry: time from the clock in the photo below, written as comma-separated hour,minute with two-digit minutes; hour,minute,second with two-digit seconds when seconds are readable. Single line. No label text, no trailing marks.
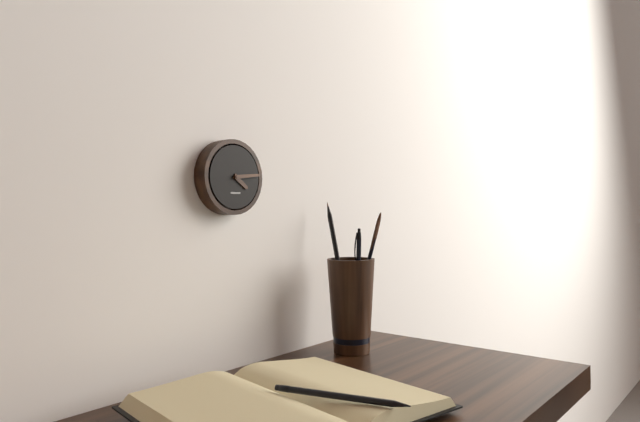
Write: 4,14
